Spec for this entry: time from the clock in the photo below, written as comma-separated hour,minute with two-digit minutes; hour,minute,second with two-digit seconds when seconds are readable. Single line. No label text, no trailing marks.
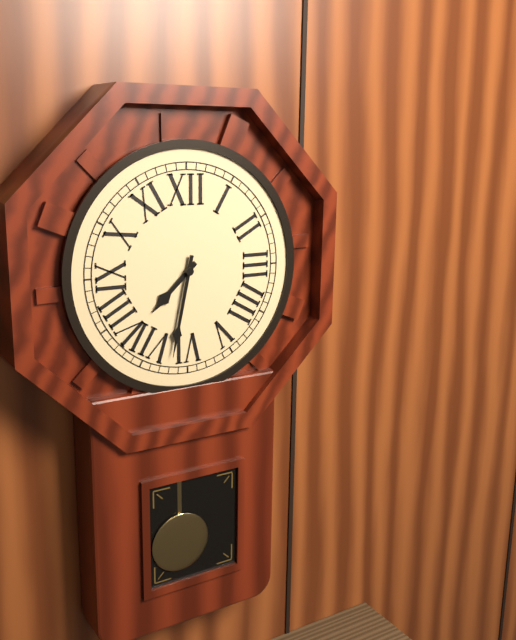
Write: 7,32
